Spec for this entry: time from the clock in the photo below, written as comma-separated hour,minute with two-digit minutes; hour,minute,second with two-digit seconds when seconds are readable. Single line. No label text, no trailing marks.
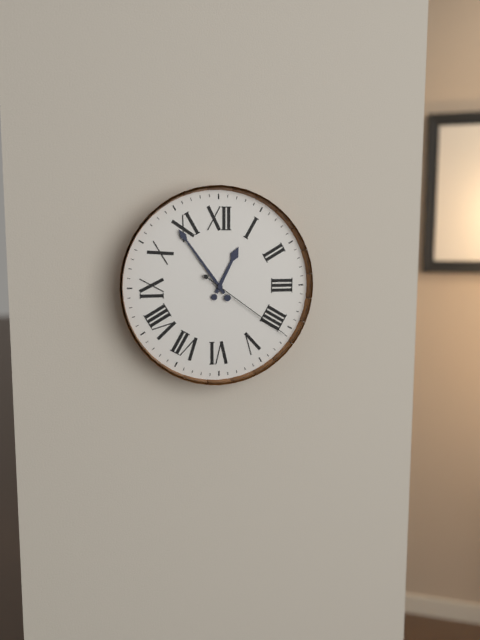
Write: 12,54,21
